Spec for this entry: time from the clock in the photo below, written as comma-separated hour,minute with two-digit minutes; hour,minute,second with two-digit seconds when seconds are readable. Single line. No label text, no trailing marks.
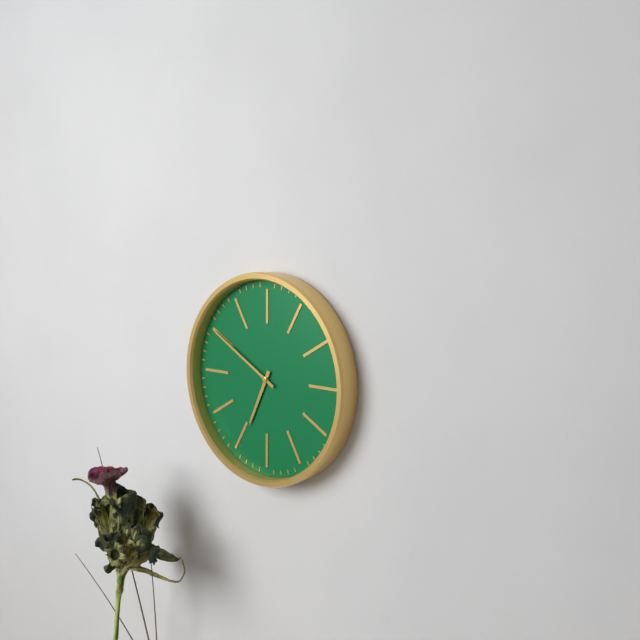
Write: 6,50
